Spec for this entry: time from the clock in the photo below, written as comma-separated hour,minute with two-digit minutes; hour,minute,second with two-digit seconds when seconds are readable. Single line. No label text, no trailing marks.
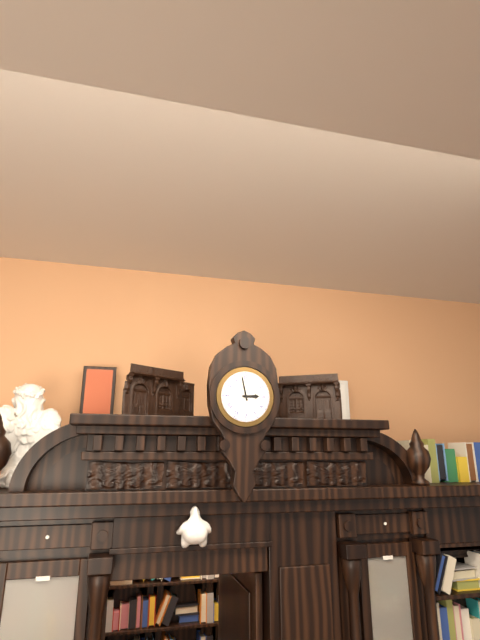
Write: 2,58
